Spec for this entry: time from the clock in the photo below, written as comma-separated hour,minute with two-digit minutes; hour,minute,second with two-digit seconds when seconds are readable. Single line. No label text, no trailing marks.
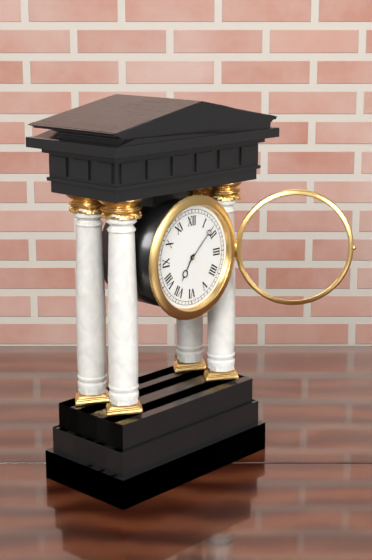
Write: 7,08
